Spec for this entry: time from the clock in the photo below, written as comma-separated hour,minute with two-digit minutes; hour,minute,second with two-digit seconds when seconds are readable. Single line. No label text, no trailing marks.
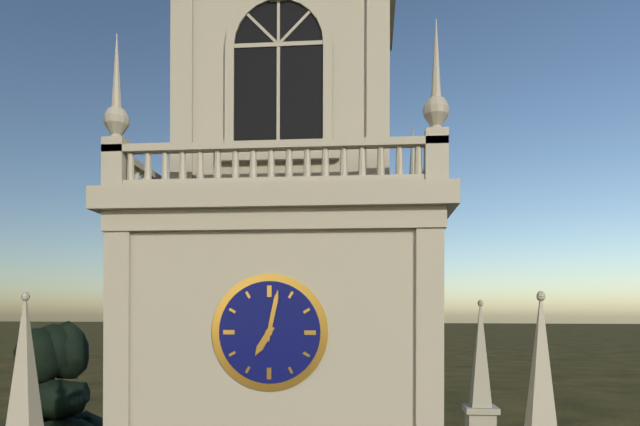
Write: 7,02
